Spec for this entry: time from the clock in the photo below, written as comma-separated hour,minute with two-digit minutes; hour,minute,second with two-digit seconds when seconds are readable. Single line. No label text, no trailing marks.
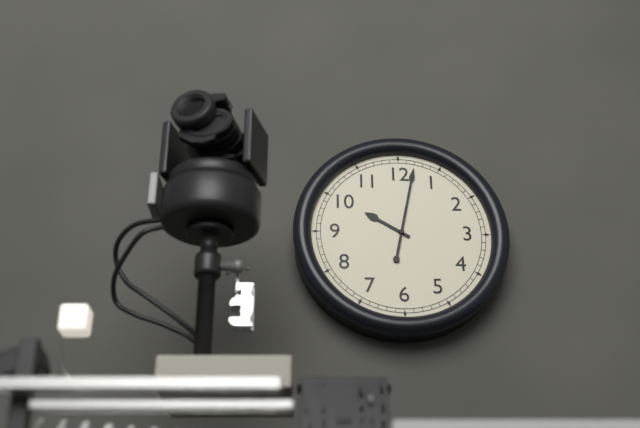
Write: 10,02
